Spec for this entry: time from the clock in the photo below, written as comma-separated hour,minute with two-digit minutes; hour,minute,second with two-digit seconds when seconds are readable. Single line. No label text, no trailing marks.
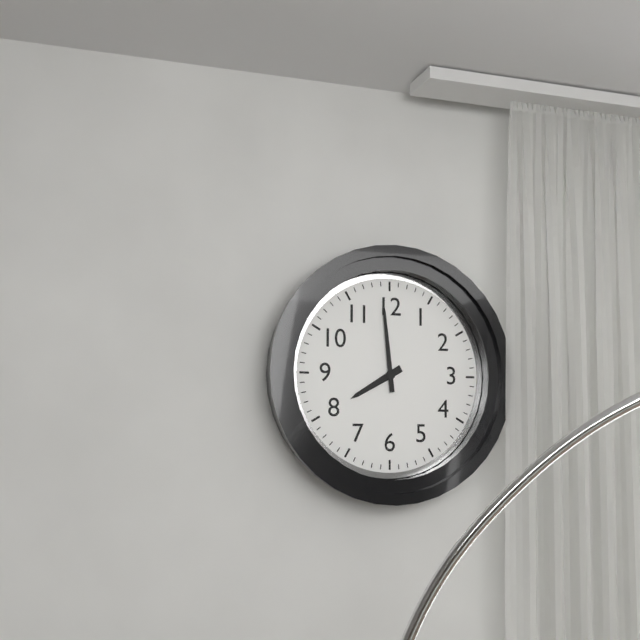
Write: 7,59
